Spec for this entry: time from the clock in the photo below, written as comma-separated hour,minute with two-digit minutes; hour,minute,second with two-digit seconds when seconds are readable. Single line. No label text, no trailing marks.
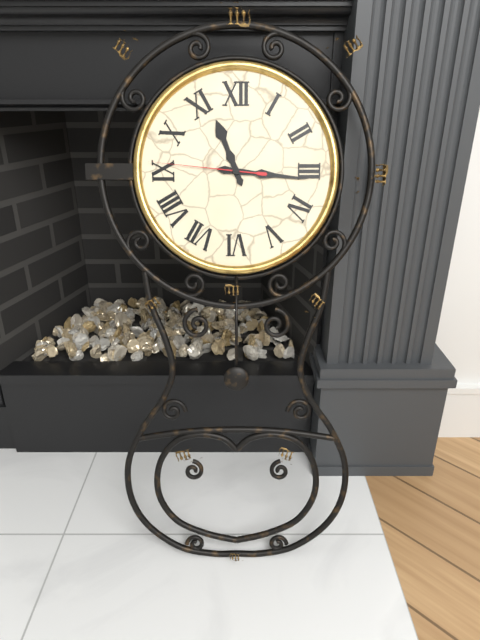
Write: 11,16,46
